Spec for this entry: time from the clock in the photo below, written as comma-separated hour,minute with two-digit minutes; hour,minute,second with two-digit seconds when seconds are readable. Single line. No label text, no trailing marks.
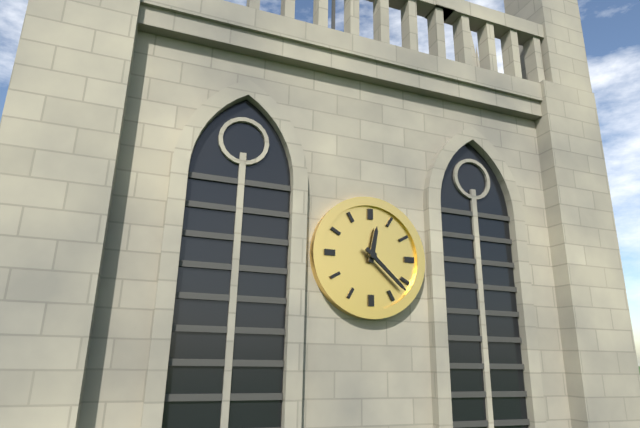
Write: 12,22
